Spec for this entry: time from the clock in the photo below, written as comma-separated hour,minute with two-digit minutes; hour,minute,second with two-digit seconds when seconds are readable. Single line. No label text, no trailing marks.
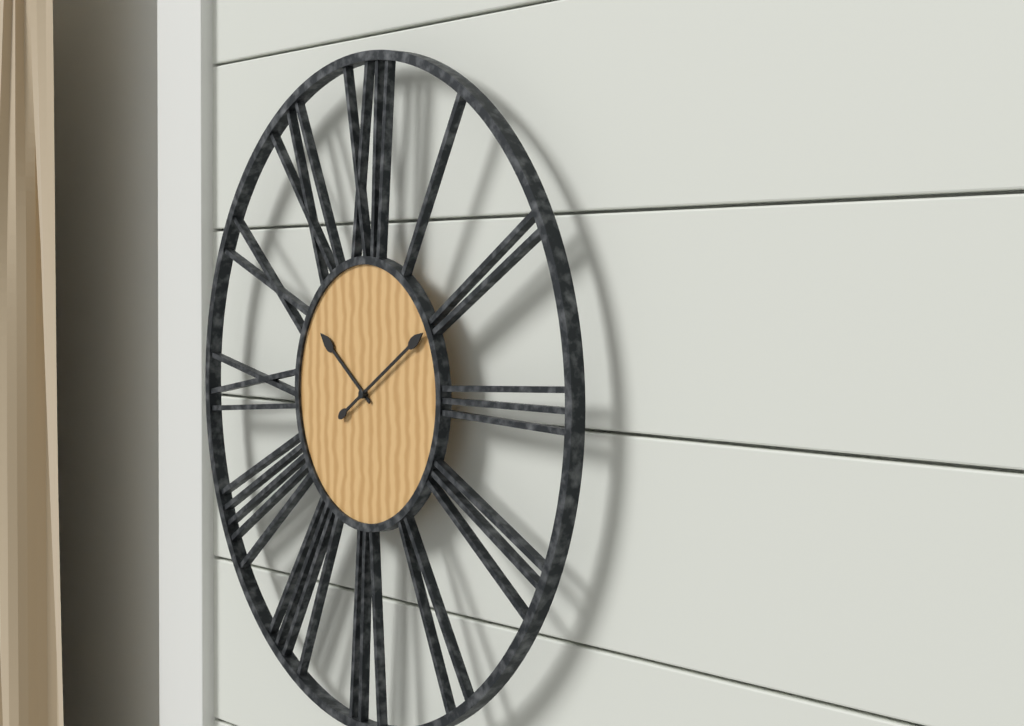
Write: 10,10
